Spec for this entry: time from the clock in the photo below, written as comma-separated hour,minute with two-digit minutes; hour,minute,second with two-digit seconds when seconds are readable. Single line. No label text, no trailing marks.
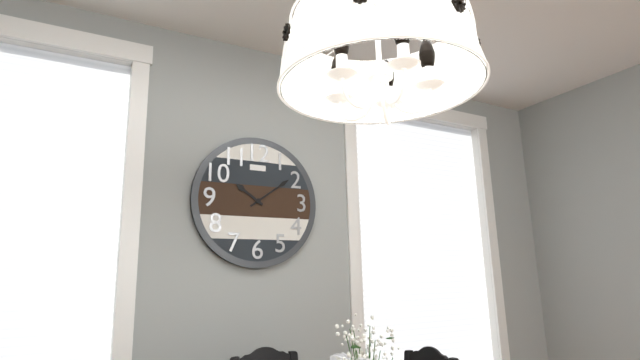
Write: 10,09
